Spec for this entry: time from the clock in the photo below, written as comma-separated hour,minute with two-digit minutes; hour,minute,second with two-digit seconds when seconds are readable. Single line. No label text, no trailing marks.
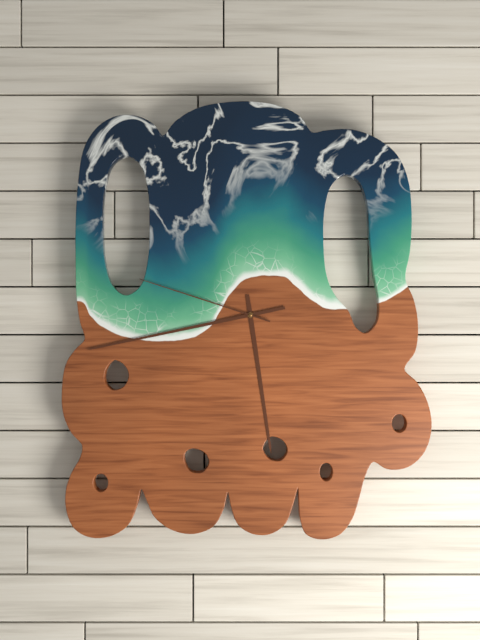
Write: 5,43,48
